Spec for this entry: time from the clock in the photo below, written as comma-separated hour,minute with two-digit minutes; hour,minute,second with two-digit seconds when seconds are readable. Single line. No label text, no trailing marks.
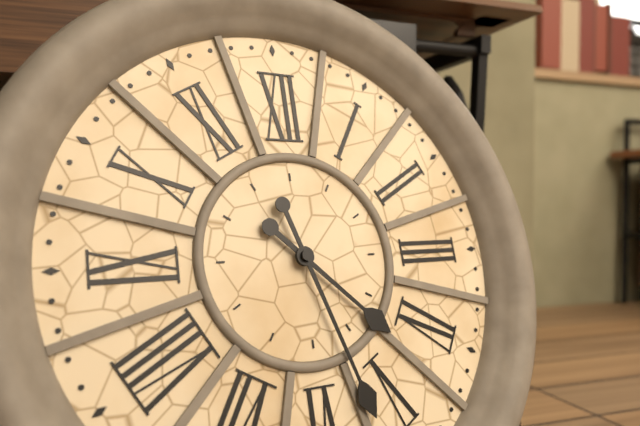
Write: 4,27
